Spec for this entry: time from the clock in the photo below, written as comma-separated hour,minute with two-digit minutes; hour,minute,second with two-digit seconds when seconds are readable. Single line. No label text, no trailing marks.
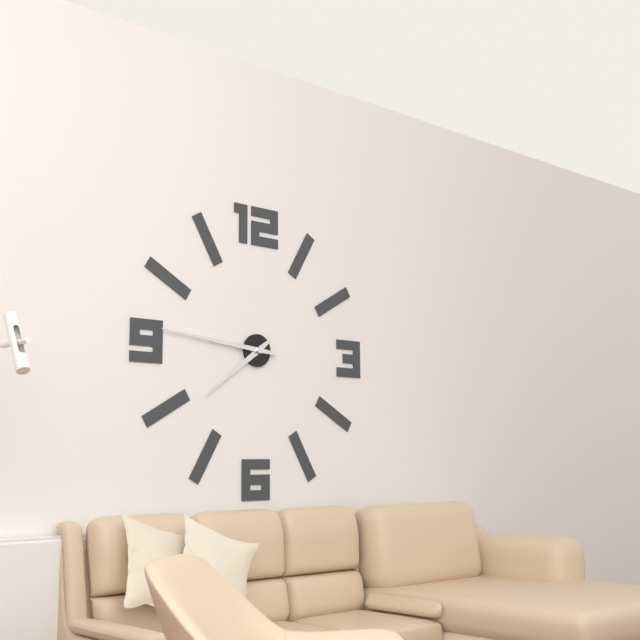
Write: 7,46
